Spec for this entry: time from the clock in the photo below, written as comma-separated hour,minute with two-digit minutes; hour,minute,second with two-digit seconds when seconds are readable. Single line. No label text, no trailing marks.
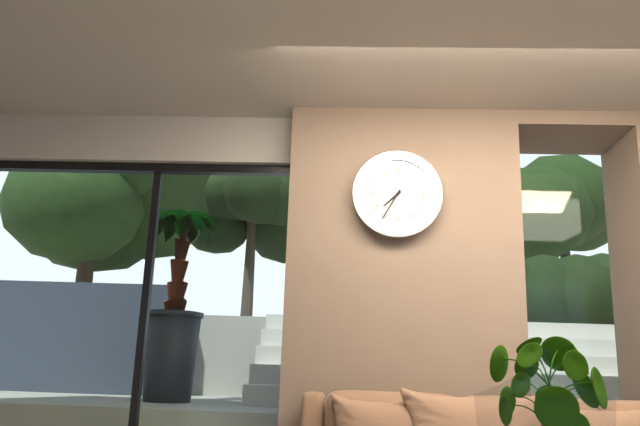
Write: 7,35
